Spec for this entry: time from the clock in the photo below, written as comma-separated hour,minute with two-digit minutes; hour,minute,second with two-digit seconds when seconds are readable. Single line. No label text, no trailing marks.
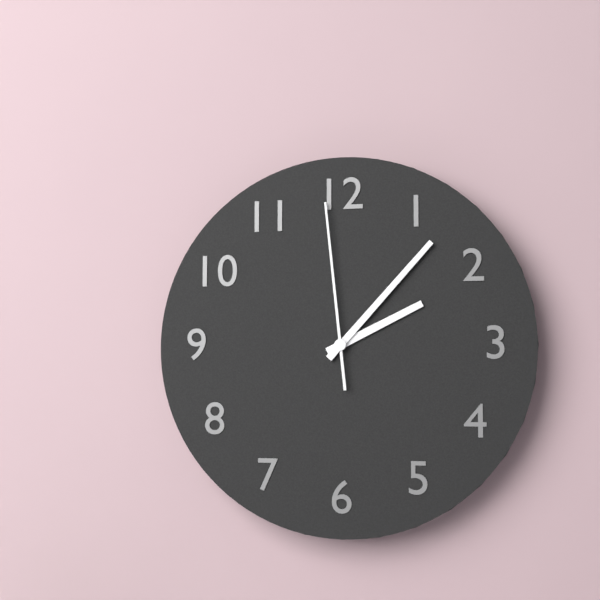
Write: 2,07,59
